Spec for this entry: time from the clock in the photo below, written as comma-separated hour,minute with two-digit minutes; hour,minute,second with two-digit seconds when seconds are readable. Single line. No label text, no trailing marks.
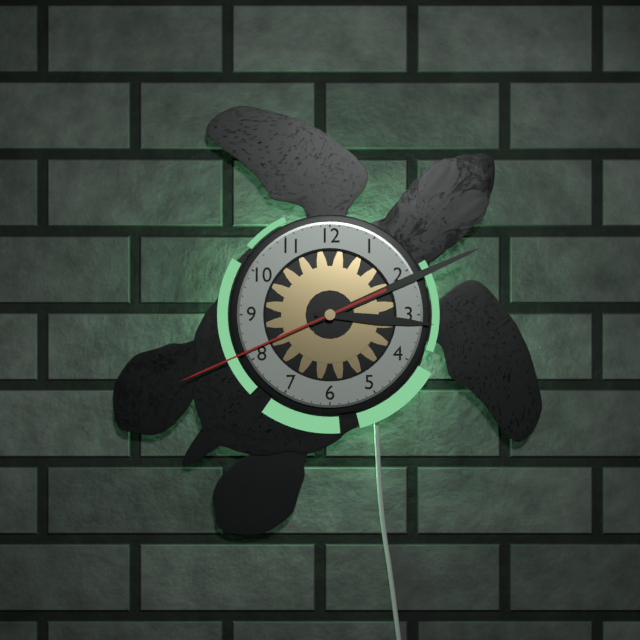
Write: 3,11,41
